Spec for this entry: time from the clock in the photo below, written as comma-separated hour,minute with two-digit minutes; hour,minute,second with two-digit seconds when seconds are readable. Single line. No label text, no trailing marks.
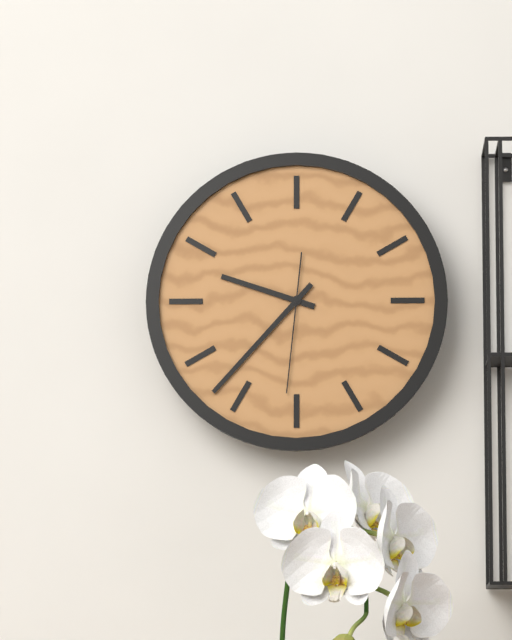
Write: 9,37,31
